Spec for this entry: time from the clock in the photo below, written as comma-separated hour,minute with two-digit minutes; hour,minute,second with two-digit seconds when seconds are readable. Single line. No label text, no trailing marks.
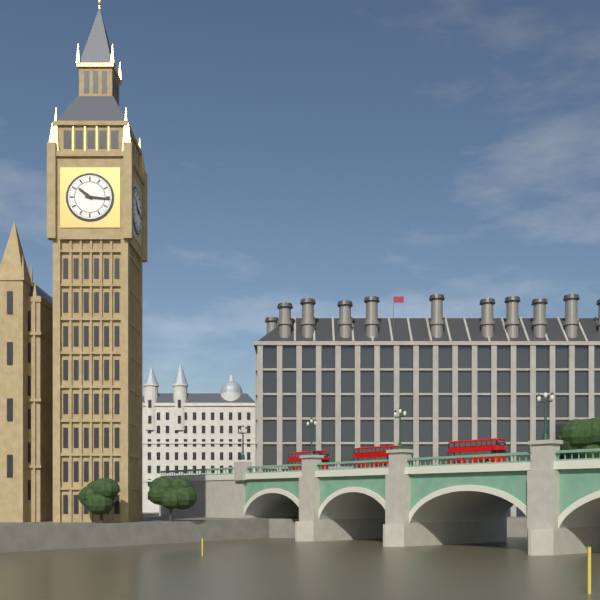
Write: 10,16
